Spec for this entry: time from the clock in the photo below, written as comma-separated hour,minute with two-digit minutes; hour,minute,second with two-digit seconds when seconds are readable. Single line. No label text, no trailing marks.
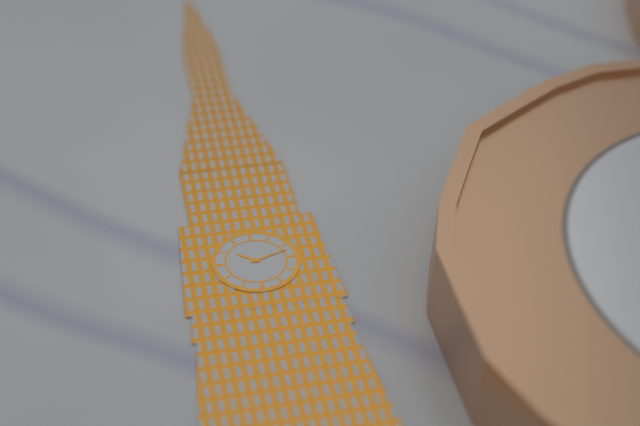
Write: 10,12
